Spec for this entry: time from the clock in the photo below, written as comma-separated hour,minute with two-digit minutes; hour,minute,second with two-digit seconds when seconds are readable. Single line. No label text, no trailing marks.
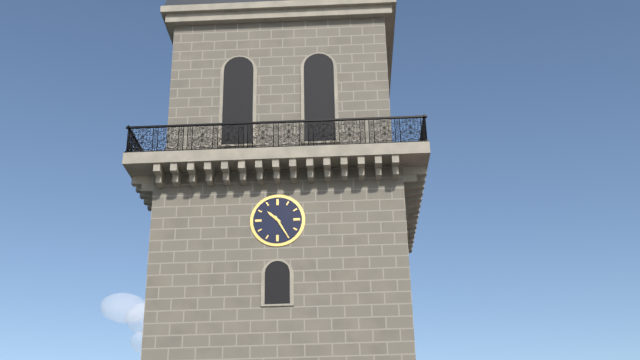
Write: 10,25
